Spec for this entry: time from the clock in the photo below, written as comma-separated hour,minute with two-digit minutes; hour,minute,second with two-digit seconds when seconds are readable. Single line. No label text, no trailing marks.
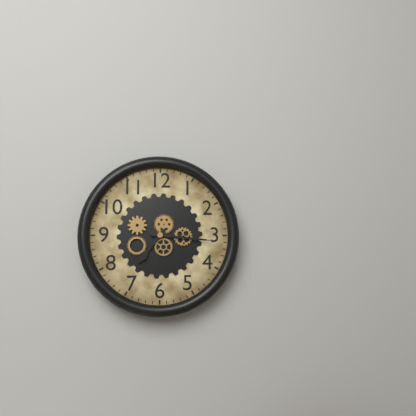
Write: 7,16
